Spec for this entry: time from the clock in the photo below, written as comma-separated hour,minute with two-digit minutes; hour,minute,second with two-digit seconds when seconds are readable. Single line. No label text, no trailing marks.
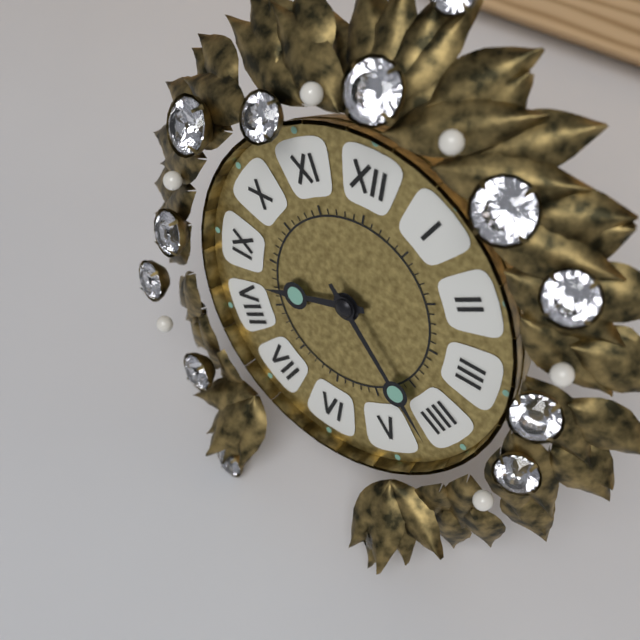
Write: 8,22
